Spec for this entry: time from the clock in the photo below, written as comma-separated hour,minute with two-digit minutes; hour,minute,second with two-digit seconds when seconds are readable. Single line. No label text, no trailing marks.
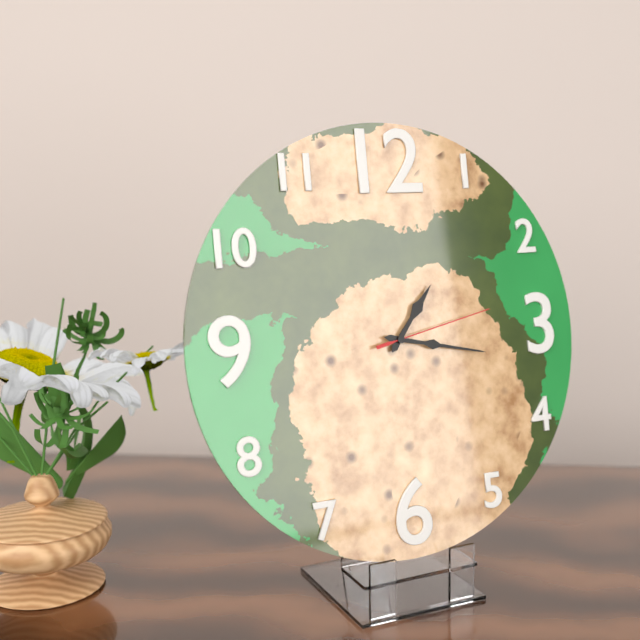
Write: 1,17,13
